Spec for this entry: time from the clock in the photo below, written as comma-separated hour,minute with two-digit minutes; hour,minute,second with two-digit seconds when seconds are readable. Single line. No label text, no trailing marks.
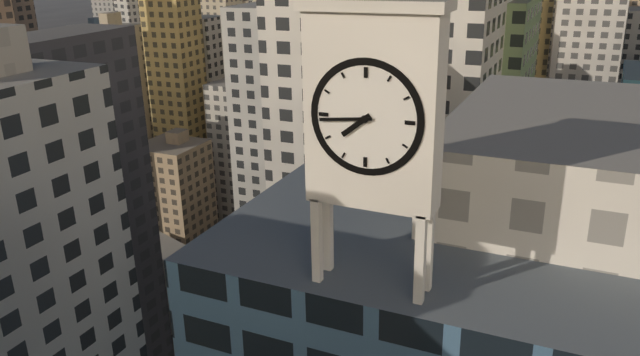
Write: 7,44
